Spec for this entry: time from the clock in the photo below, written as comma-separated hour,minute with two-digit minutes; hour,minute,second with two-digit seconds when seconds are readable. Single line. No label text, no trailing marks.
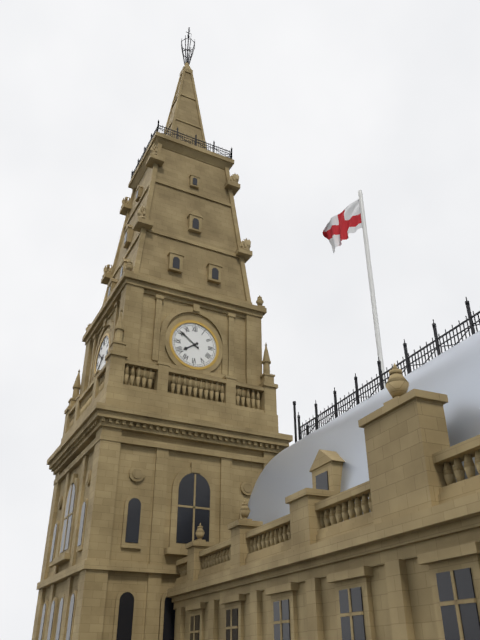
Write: 7,51
